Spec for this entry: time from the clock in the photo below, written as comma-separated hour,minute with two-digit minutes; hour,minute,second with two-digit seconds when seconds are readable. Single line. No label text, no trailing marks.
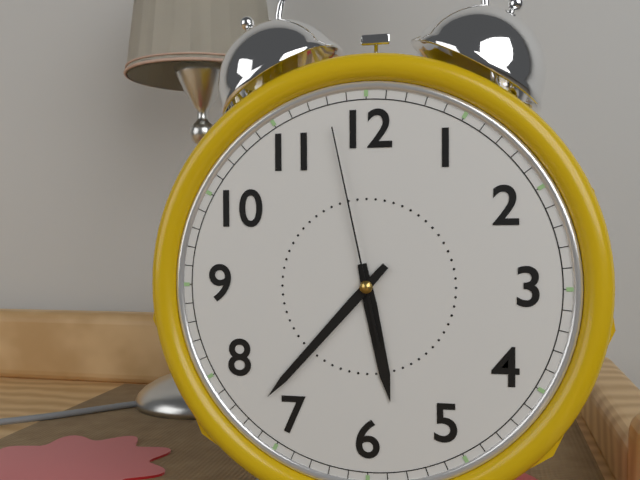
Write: 5,37,58
